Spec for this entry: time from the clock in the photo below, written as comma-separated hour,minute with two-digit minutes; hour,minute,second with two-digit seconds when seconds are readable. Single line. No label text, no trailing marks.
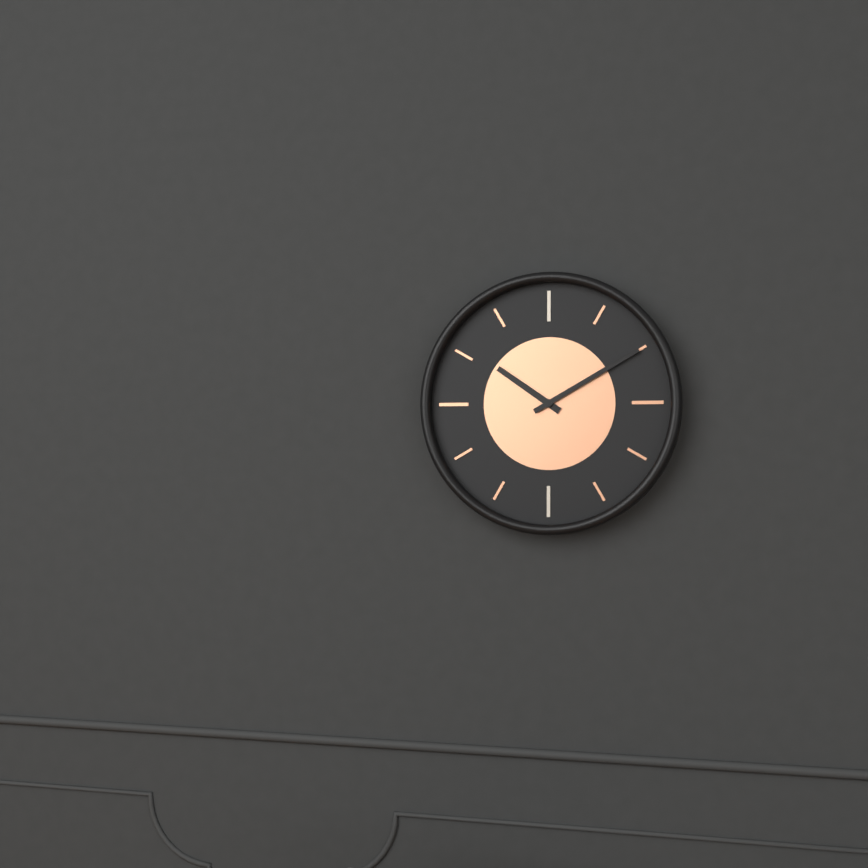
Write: 10,10
